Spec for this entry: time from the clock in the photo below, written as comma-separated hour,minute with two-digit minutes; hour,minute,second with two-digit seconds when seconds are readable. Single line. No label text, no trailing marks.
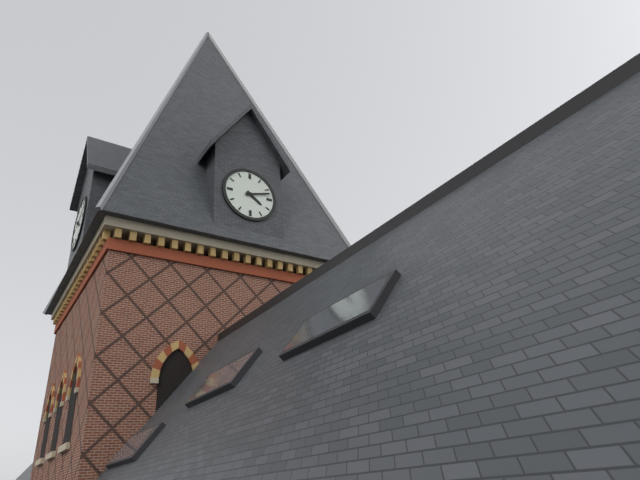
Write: 4,12
